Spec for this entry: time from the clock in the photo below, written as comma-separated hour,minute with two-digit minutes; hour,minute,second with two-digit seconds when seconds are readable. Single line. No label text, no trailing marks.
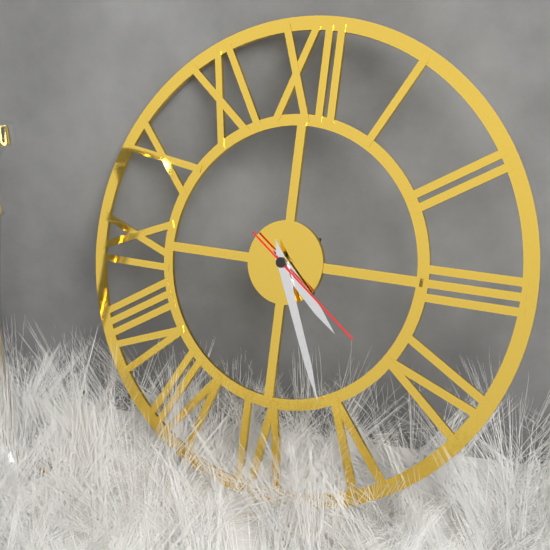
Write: 4,26,21
